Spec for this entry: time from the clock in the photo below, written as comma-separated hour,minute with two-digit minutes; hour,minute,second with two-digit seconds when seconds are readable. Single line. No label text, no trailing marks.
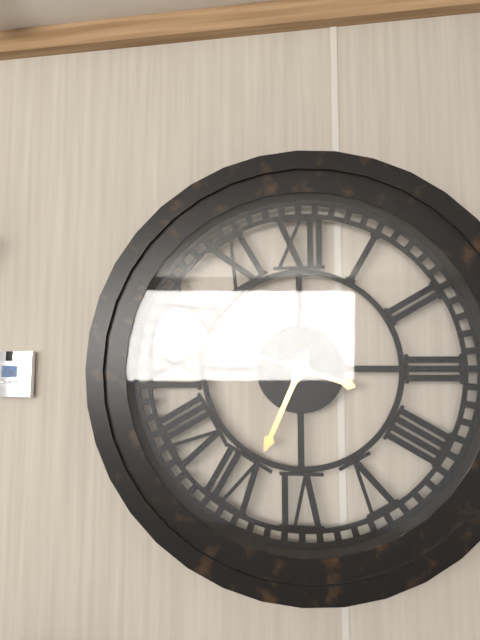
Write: 6,48
